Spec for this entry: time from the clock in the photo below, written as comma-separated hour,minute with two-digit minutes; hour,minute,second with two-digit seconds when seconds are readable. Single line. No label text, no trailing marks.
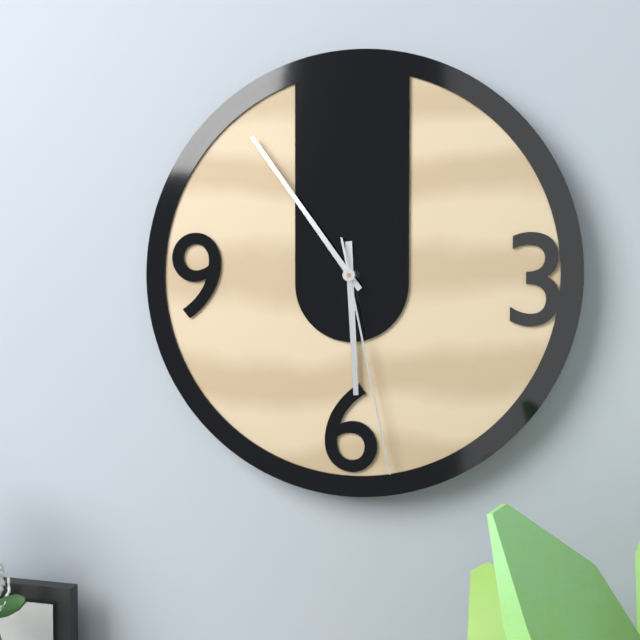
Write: 5,54,28
